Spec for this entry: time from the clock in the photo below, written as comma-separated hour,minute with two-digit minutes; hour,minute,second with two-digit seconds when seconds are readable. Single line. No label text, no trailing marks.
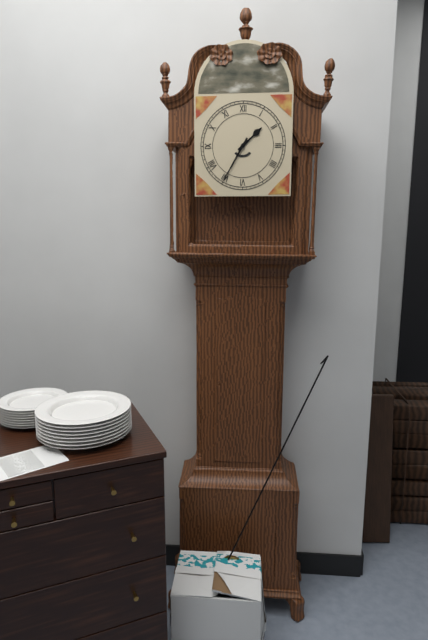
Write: 1,35
